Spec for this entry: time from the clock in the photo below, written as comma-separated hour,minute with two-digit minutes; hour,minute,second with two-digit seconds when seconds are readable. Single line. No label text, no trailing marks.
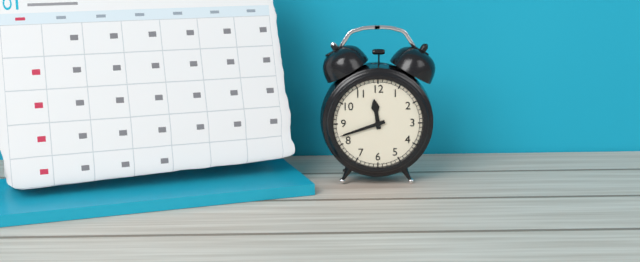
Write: 11,42
